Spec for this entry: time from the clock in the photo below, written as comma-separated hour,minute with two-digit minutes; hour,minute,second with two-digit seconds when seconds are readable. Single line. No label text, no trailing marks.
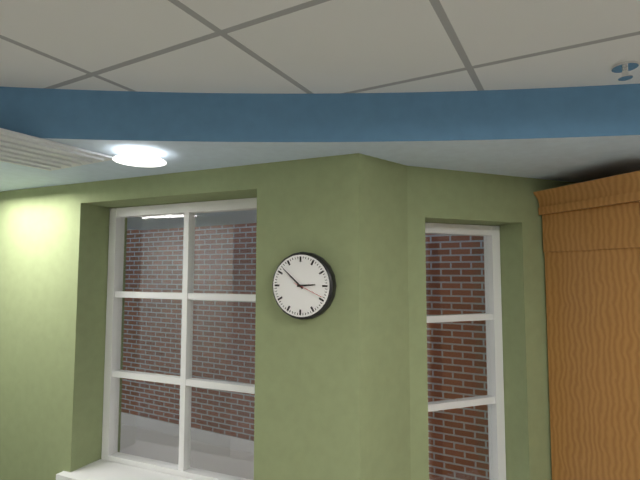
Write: 2,52
